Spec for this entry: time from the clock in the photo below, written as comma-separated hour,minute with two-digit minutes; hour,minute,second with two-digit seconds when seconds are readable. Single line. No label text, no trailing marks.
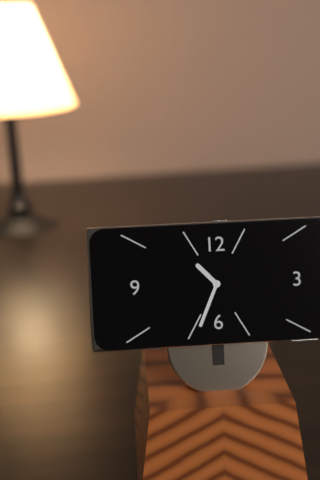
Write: 10,34
